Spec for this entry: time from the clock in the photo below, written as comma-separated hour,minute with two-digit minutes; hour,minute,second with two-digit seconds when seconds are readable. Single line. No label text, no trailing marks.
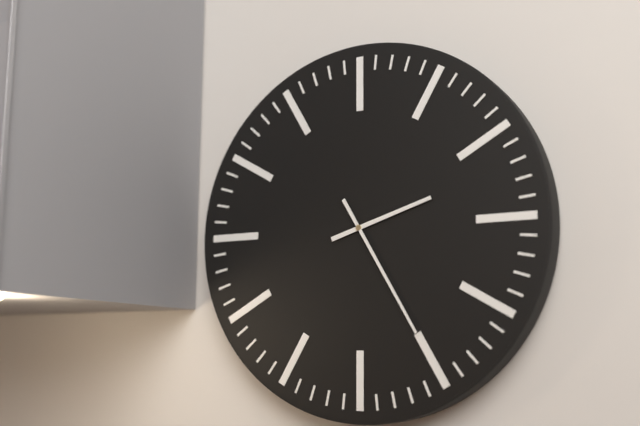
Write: 2,25
